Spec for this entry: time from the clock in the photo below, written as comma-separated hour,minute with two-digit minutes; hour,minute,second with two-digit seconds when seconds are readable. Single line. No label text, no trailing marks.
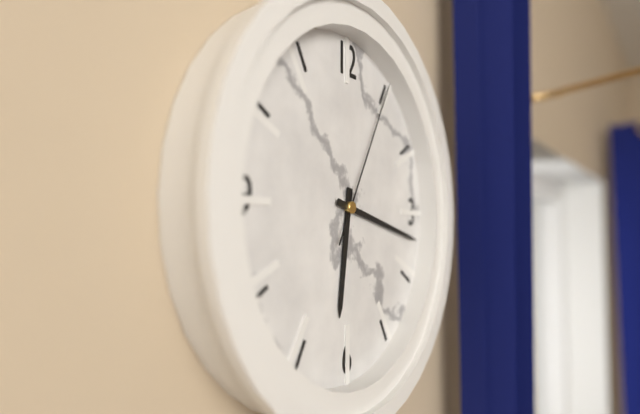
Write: 6,17,05
